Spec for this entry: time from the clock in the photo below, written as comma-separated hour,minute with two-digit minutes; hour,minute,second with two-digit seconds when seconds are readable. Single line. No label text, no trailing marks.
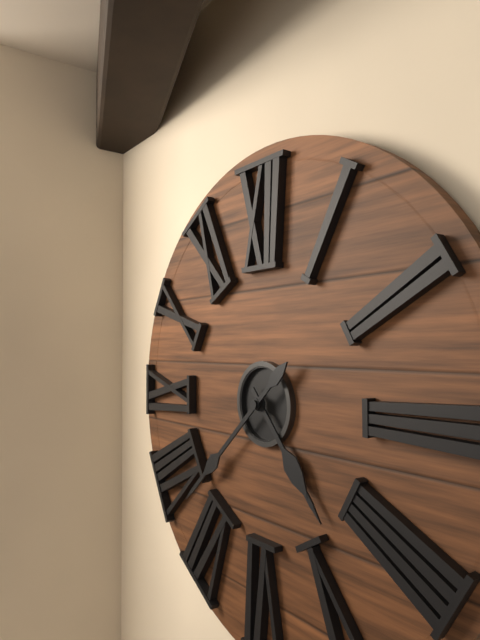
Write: 4,38
